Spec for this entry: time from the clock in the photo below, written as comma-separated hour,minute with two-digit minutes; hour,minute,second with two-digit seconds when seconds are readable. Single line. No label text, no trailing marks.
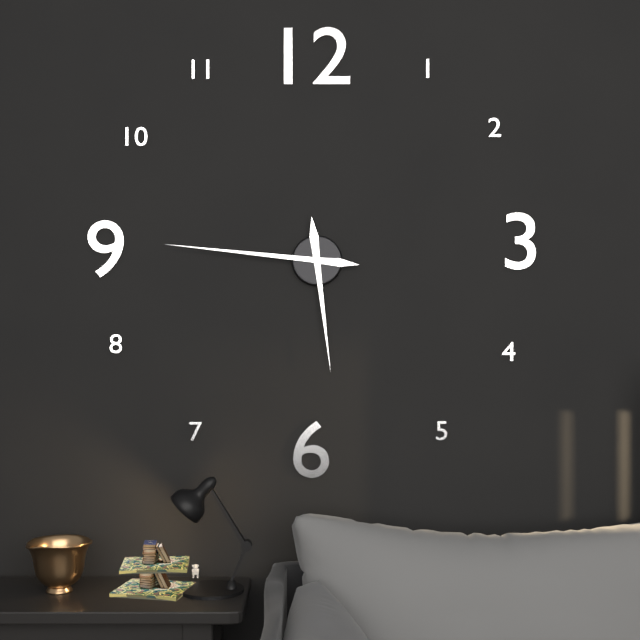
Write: 5,46
